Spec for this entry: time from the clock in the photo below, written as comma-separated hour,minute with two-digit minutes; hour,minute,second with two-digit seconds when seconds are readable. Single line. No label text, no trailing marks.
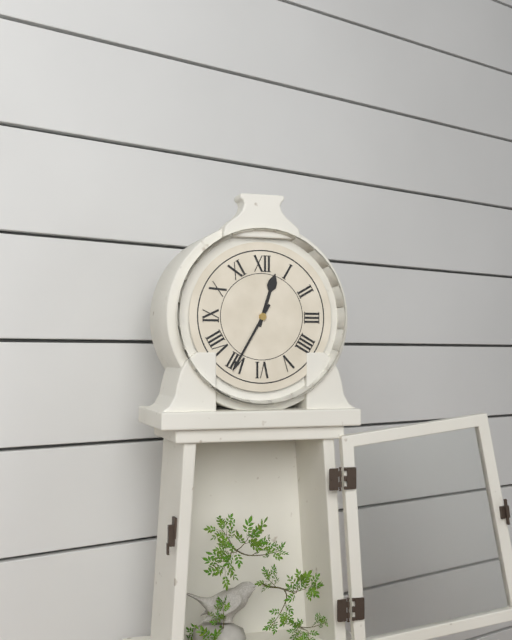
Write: 12,35
